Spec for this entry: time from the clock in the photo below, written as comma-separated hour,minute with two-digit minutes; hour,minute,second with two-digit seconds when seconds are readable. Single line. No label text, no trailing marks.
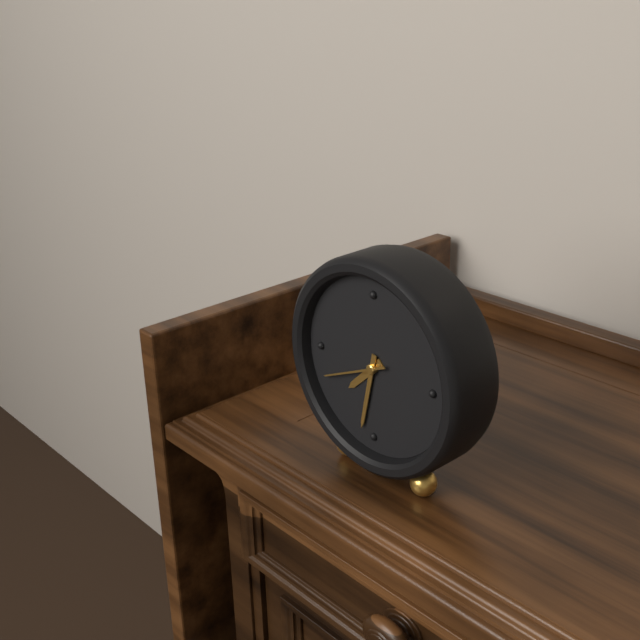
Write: 7,32,41
